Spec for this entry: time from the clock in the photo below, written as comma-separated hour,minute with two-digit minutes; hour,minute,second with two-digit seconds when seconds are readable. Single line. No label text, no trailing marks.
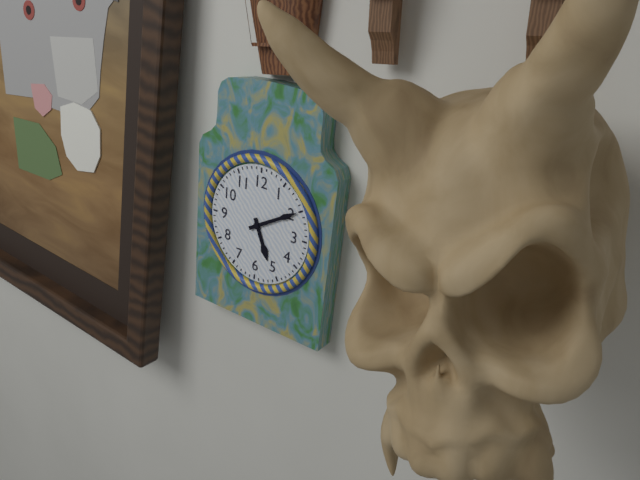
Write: 5,10
